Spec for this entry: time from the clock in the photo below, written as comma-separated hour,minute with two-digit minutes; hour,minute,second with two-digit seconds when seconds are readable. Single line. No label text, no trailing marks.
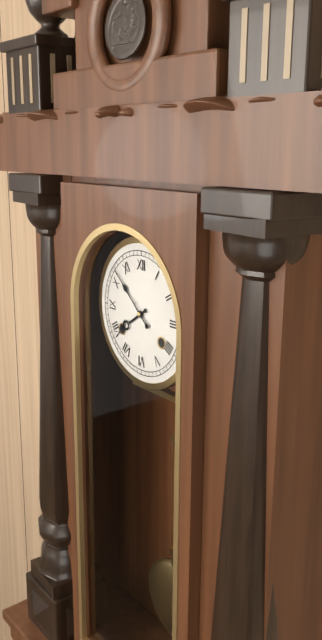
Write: 7,52
